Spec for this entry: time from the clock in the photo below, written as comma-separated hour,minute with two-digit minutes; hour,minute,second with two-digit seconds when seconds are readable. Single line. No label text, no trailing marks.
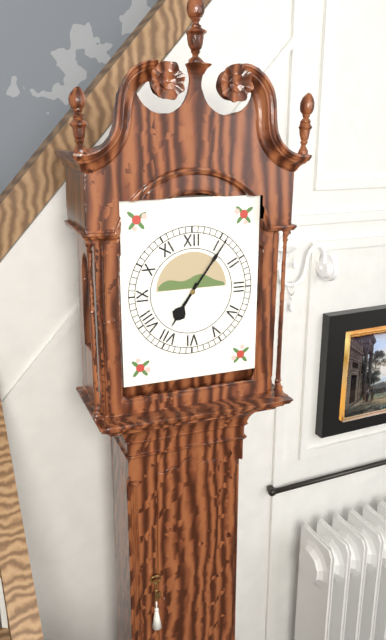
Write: 7,06
